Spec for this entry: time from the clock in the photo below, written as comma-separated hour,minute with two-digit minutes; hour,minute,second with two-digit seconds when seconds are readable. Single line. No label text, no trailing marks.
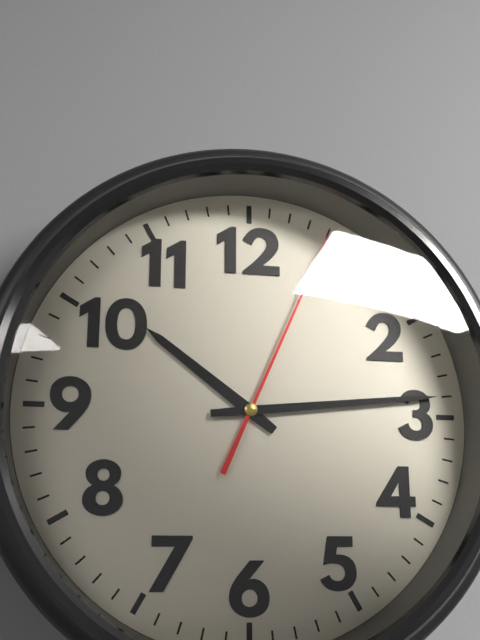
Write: 10,14,04
